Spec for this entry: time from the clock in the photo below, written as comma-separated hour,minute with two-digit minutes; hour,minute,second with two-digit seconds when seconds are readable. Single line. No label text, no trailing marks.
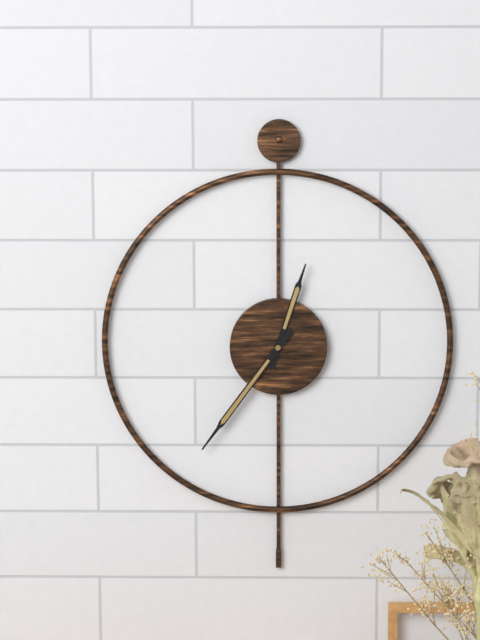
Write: 12,36
